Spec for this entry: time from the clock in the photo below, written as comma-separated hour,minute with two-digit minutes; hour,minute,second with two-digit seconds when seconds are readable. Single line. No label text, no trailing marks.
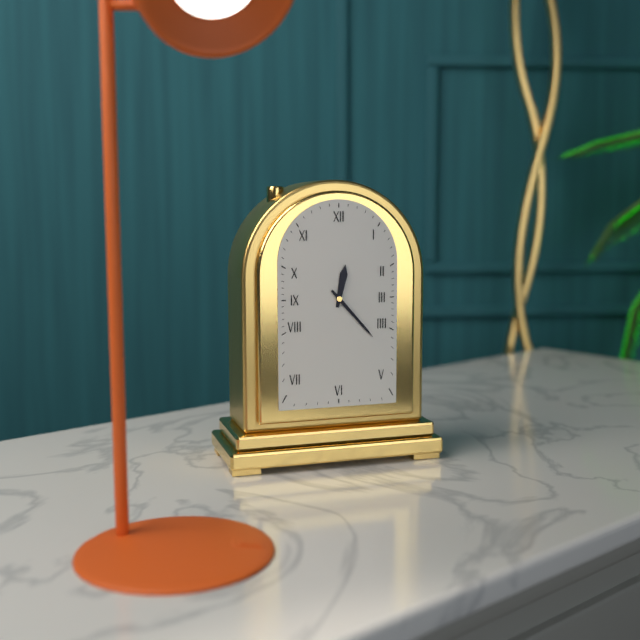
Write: 12,23
